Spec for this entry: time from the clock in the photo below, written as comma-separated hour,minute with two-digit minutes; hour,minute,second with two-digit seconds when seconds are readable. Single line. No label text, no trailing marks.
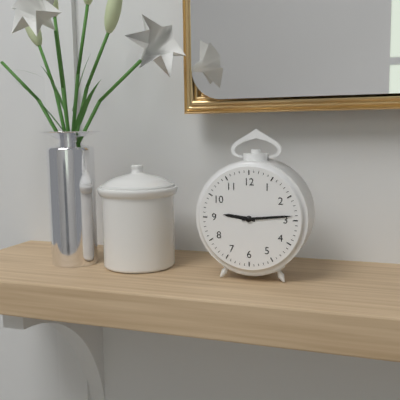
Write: 9,14
